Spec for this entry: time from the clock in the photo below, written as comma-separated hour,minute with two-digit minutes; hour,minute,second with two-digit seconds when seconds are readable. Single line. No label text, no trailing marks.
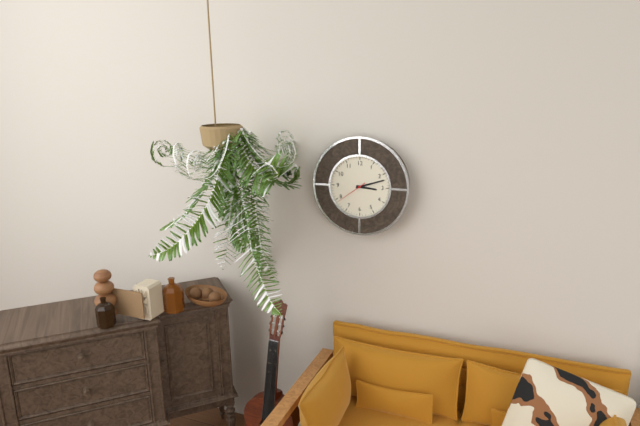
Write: 3,12
